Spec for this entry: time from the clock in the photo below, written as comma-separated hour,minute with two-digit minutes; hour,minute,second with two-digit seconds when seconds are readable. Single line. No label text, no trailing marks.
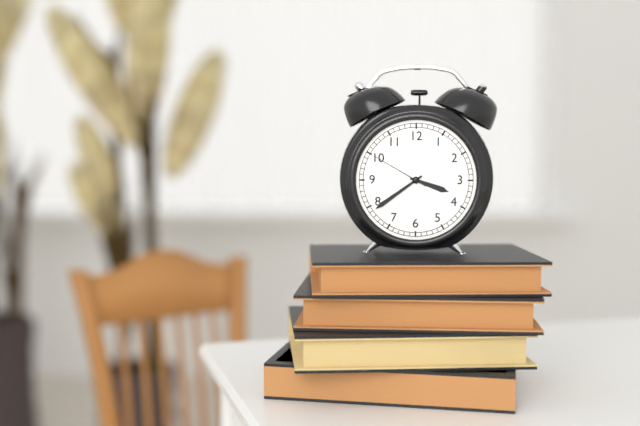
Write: 3,39,50
